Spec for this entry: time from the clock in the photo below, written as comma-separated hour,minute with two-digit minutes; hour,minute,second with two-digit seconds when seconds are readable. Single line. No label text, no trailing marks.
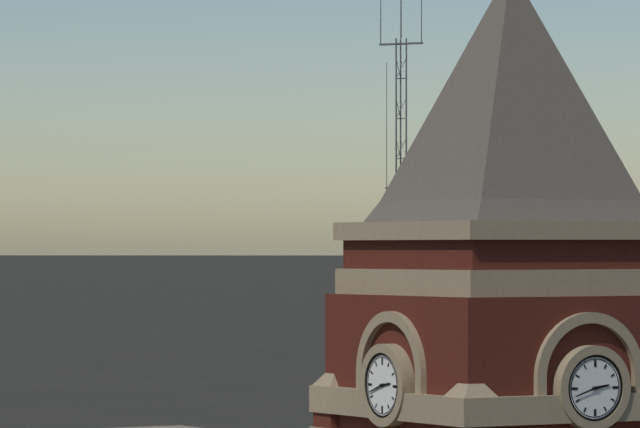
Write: 2,42
